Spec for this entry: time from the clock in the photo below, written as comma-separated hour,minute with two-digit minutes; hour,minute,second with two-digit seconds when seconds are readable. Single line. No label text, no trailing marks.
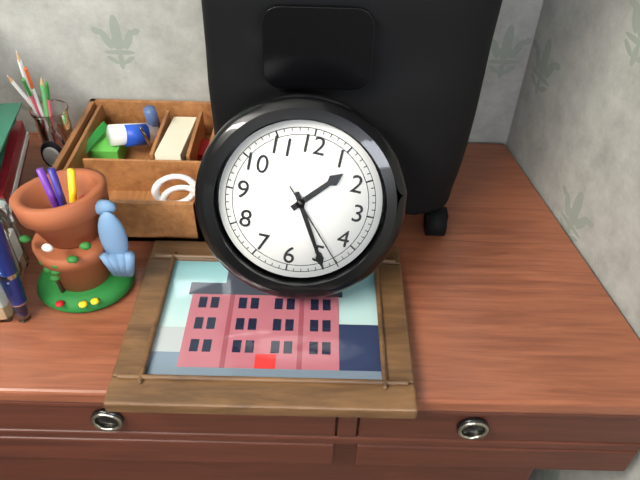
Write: 1,25,23
